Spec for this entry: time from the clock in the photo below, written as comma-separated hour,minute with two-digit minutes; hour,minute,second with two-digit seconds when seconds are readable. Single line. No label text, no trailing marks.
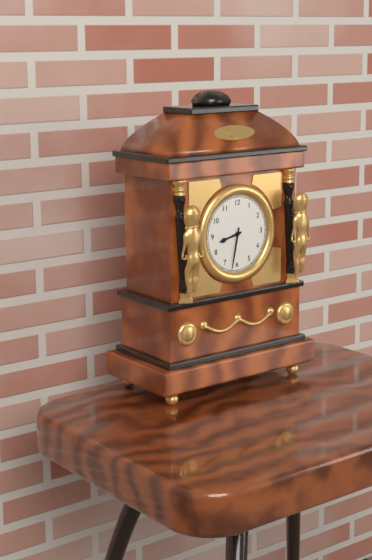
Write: 8,32
